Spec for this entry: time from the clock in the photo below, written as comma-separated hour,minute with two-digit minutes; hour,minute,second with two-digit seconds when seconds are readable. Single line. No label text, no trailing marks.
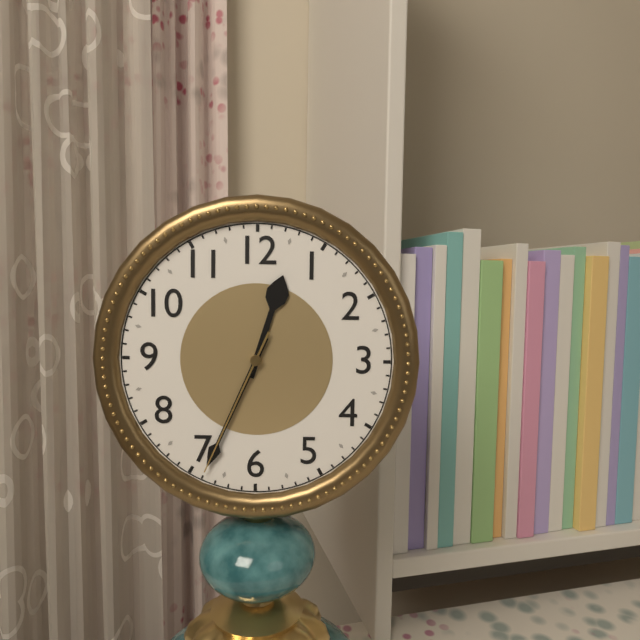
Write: 12,34,34
